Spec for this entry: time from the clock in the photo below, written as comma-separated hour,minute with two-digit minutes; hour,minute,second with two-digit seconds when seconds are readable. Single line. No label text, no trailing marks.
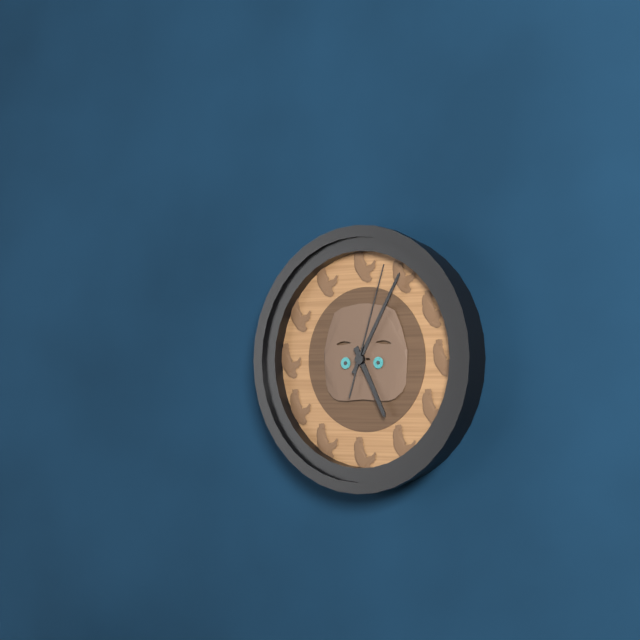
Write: 5,05,03
